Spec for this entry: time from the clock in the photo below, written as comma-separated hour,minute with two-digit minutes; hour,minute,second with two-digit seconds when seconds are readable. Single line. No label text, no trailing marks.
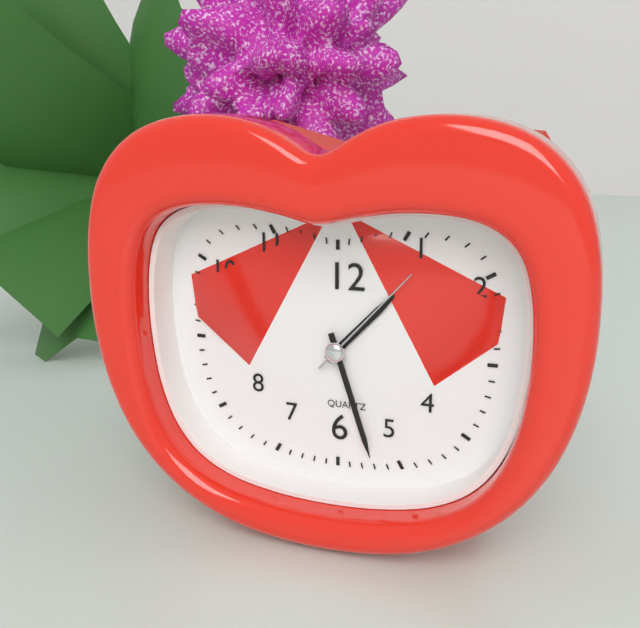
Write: 1,27,07
